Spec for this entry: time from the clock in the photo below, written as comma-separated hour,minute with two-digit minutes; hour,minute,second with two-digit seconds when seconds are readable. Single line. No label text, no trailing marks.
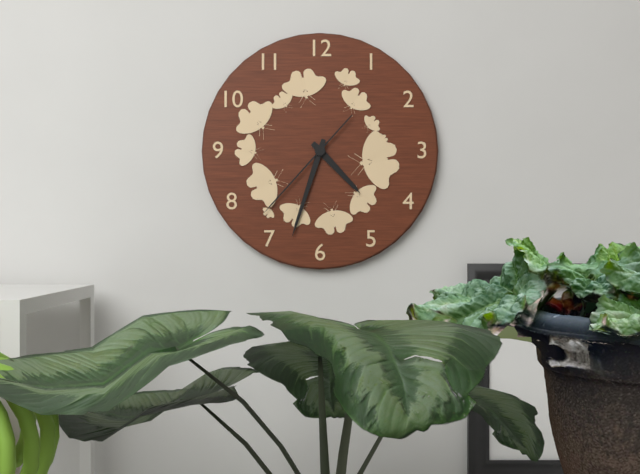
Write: 4,33,37
